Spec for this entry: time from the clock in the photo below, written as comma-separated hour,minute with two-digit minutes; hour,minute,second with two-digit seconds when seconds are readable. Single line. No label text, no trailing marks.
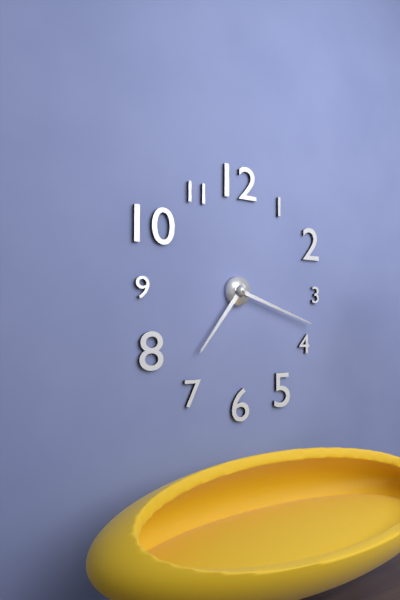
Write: 7,18
